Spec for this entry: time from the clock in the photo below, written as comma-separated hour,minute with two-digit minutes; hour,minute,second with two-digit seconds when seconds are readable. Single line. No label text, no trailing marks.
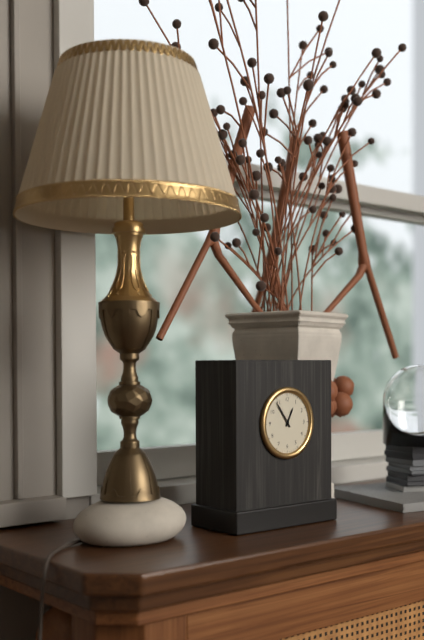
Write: 12,54
